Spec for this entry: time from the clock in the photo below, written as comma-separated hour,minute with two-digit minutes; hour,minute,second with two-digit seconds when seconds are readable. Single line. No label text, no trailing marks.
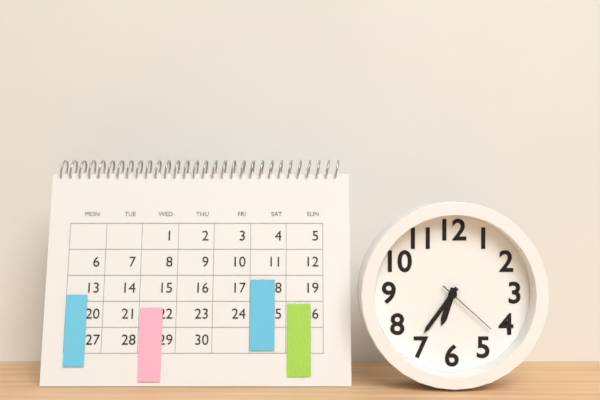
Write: 6,36,22
